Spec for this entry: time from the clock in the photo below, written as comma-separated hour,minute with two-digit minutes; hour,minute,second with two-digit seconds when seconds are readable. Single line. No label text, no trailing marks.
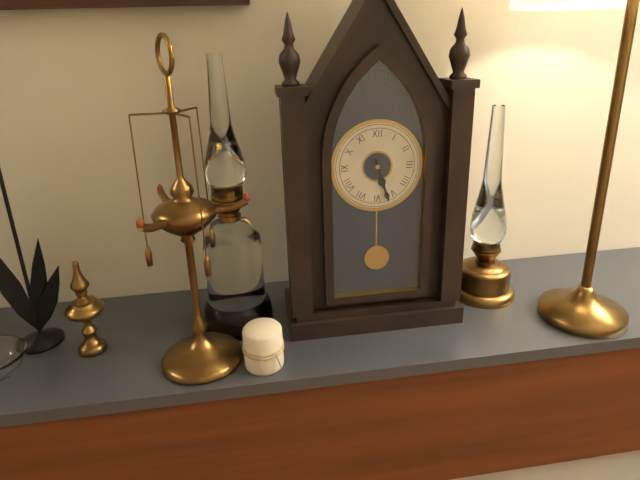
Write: 5,27
